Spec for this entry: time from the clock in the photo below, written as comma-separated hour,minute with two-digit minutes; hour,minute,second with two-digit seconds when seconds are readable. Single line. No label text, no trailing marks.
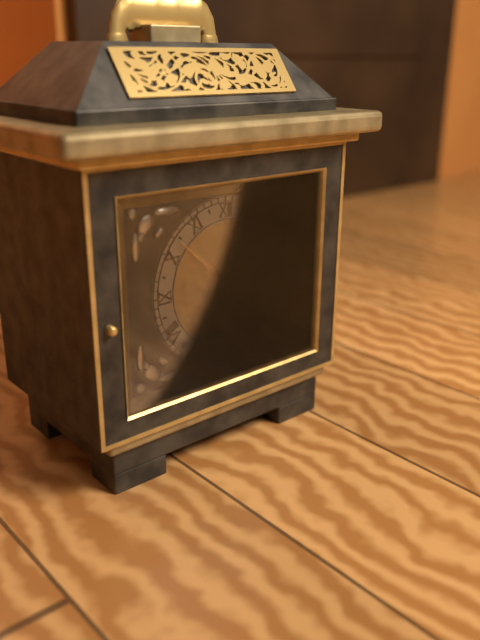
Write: 12,52
